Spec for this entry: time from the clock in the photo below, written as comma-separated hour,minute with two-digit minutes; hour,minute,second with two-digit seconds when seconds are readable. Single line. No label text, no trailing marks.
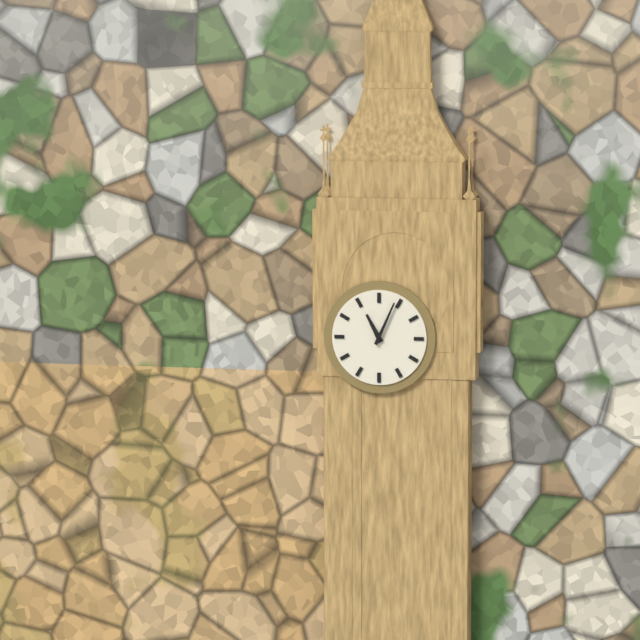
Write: 11,04
